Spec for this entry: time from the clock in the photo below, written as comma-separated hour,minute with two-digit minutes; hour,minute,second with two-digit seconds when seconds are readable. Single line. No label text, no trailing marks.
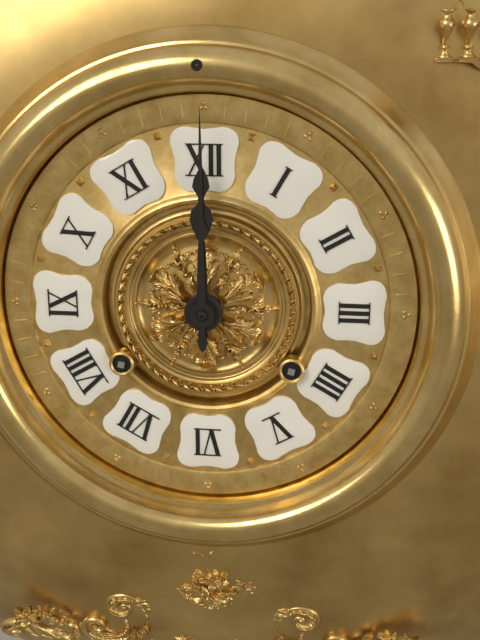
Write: 12,00
